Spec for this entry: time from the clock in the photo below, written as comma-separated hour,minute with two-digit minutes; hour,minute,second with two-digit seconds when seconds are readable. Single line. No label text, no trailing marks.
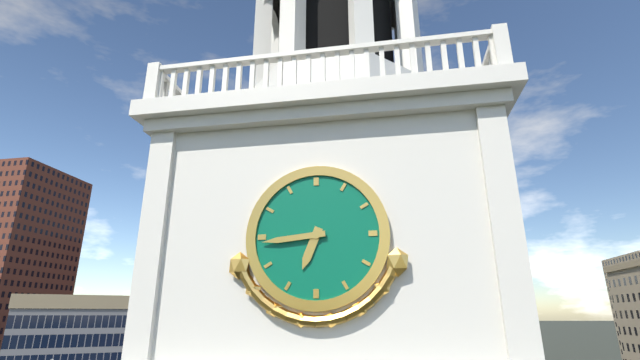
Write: 6,44
